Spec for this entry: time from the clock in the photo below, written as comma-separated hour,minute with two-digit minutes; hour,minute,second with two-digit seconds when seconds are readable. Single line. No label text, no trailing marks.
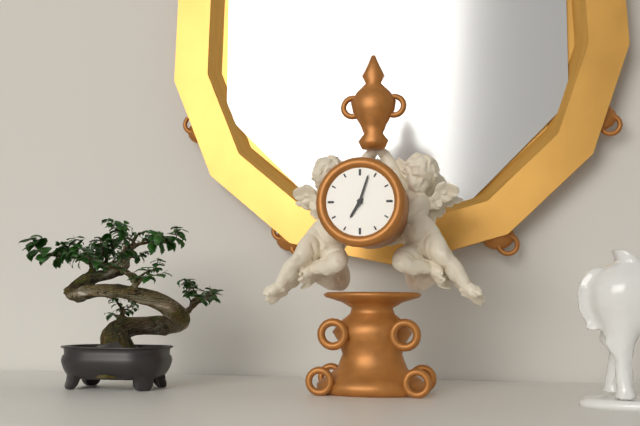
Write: 7,03
